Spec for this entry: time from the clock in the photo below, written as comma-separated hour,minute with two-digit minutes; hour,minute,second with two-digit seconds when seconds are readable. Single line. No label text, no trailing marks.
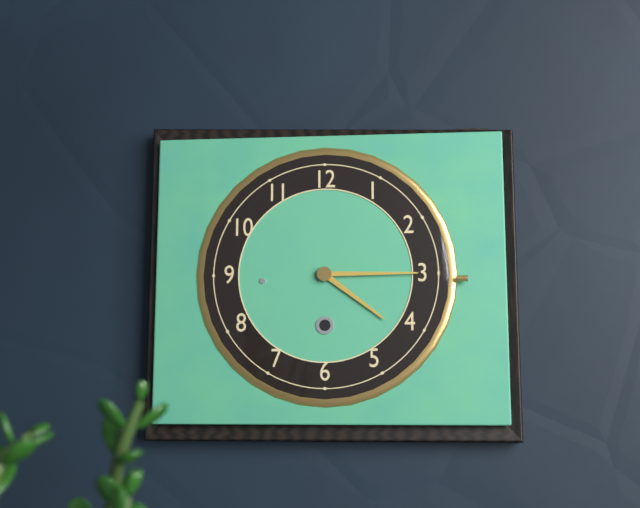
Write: 4,15
